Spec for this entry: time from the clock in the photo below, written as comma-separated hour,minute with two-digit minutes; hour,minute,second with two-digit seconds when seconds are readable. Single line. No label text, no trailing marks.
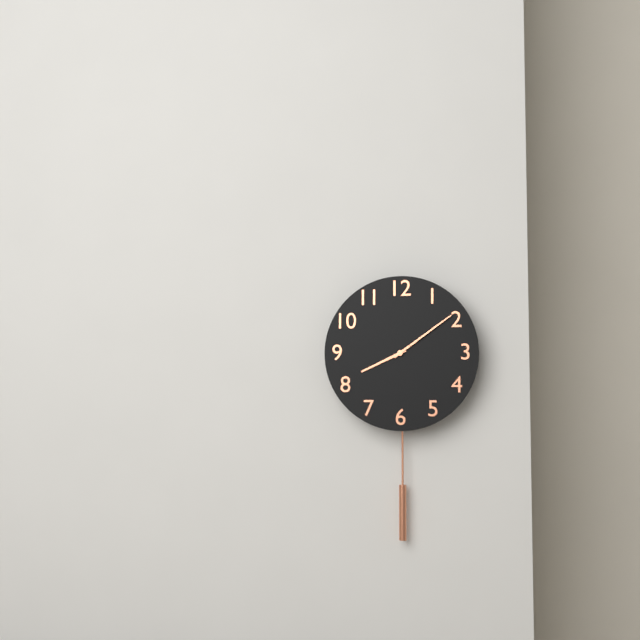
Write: 8,09
